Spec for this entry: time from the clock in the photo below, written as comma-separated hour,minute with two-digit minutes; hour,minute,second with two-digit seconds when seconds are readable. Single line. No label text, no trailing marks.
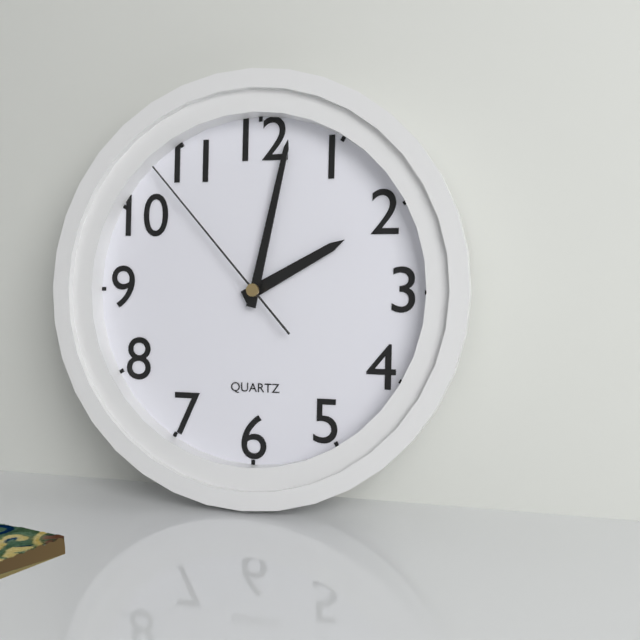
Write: 2,02,53
